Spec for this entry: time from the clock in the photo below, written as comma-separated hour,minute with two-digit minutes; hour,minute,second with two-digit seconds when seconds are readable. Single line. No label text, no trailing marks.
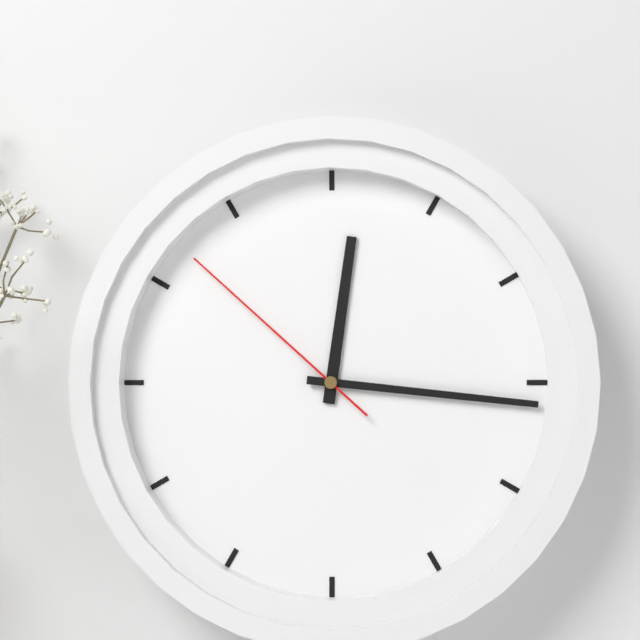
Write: 12,16,52
